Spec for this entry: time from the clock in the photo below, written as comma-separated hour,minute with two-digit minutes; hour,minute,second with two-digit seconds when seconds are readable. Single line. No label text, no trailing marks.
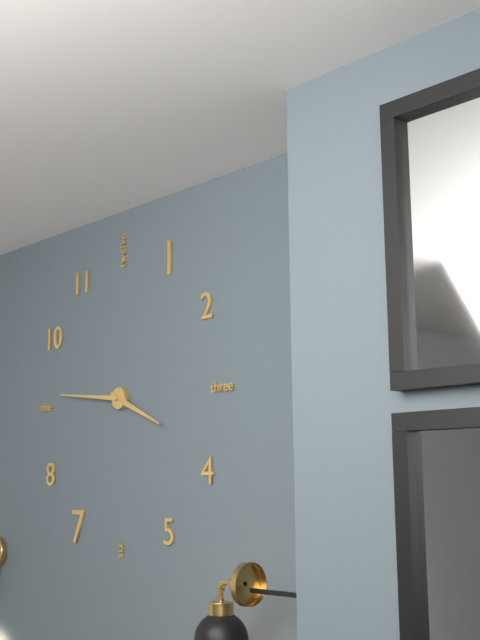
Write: 3,46
